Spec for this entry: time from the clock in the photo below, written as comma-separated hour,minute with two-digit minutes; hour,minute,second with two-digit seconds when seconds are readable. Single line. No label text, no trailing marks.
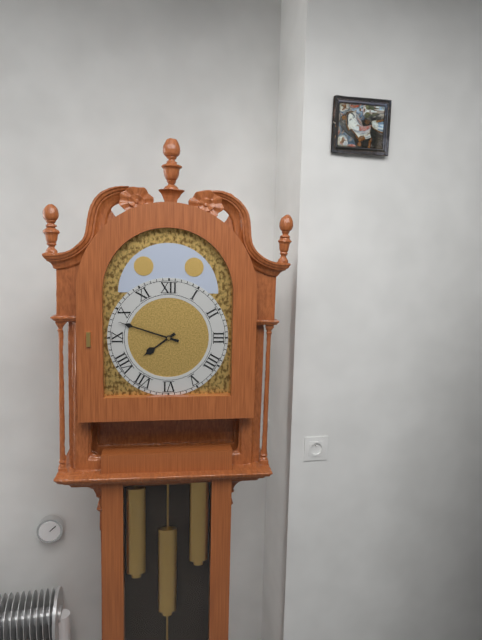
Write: 7,48
